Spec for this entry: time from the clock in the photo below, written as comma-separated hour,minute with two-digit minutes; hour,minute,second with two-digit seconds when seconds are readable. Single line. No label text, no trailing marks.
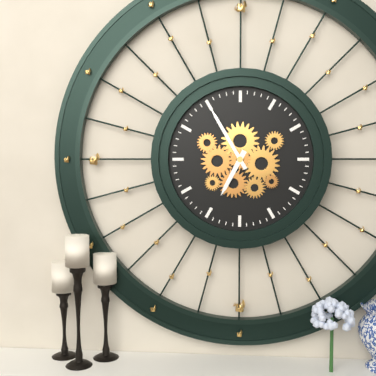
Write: 6,55
